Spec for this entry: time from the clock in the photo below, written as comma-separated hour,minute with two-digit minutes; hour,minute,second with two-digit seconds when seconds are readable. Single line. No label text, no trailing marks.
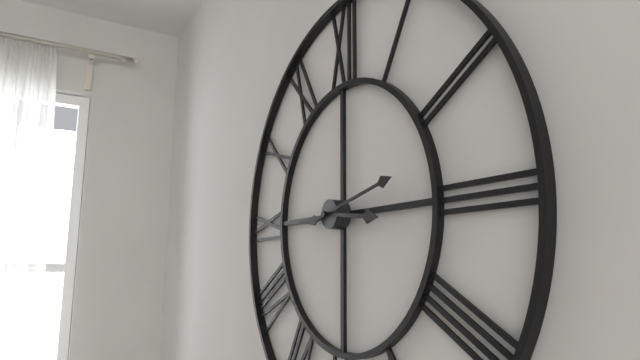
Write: 3,13
